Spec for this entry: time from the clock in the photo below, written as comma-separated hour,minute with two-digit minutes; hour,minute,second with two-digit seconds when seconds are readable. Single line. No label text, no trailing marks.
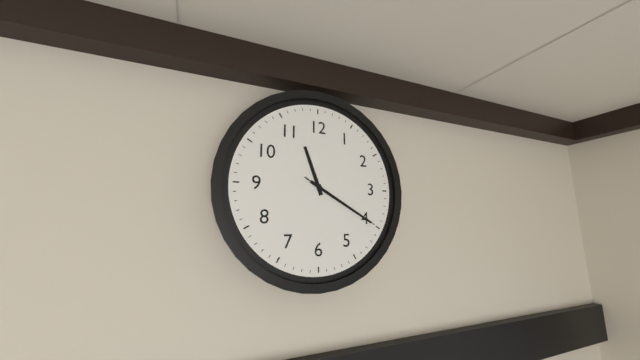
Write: 11,20,20
